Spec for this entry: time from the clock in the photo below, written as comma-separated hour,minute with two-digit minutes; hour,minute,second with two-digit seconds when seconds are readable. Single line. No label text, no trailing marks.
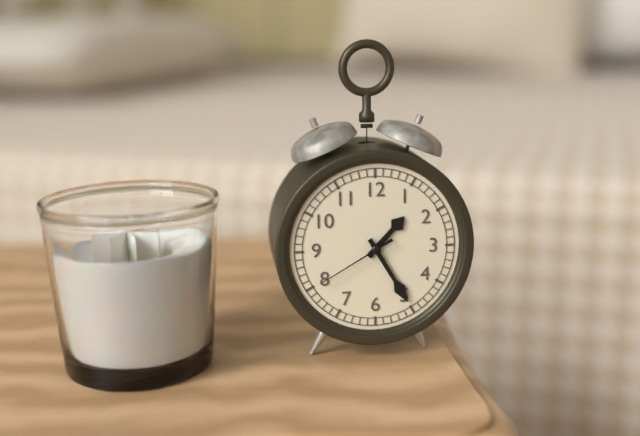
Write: 1,25,40
